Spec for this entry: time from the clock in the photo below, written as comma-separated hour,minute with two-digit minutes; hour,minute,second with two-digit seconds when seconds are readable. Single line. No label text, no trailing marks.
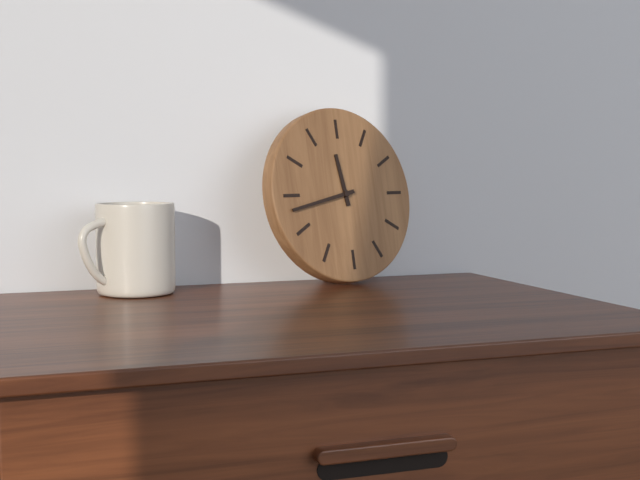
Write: 11,43
